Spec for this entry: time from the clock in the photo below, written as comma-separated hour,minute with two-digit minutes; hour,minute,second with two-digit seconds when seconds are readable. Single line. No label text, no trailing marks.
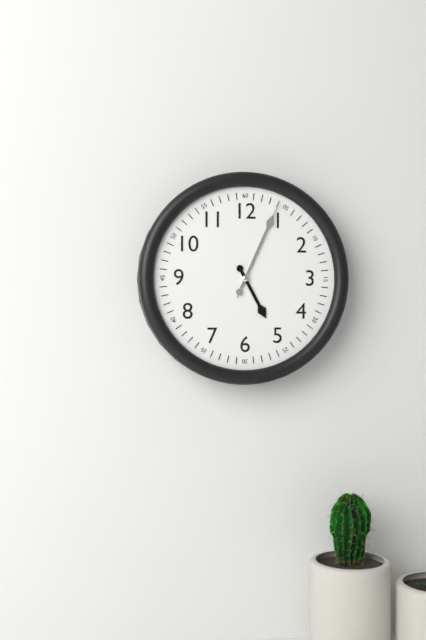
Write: 5,04,04
